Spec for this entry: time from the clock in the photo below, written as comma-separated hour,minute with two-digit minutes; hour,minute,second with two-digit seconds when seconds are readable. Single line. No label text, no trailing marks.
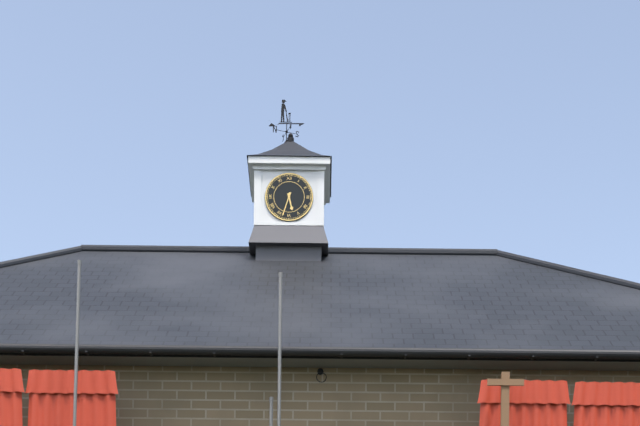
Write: 5,33
